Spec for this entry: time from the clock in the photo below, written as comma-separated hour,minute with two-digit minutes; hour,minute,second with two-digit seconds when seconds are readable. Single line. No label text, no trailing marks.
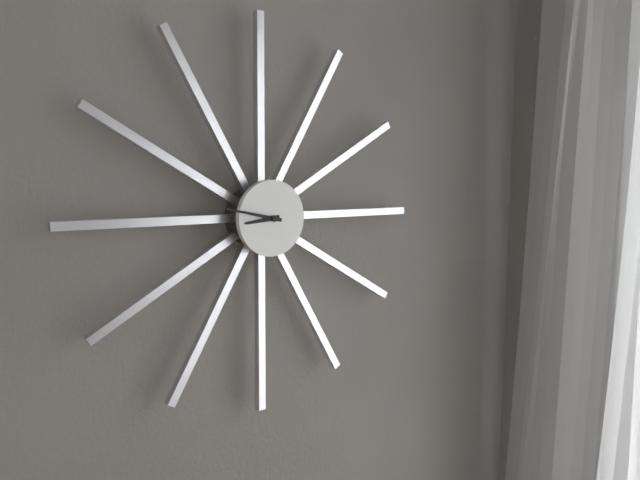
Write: 8,47
